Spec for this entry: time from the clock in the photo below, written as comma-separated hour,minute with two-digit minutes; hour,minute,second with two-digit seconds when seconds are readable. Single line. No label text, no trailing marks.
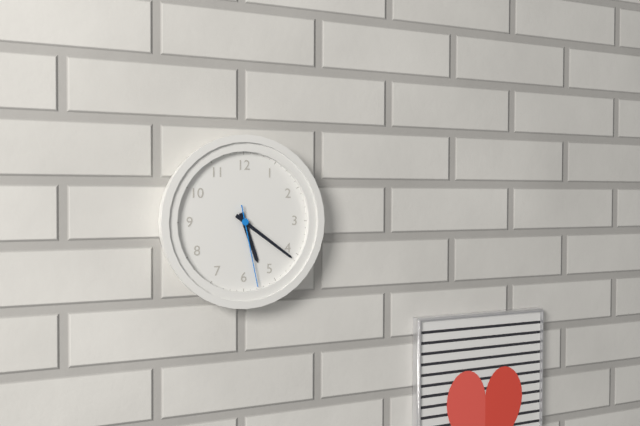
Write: 5,21,28
